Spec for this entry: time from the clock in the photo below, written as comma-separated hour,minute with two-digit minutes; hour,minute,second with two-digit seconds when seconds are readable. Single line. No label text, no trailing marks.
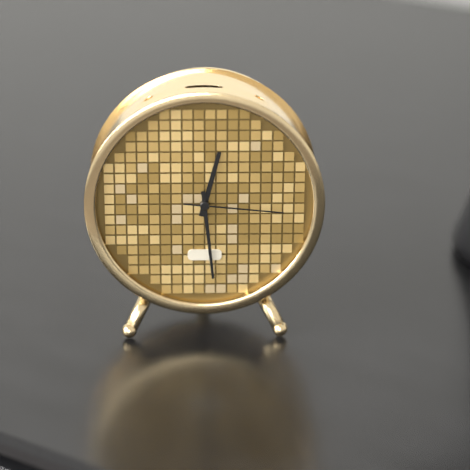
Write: 12,29,16
